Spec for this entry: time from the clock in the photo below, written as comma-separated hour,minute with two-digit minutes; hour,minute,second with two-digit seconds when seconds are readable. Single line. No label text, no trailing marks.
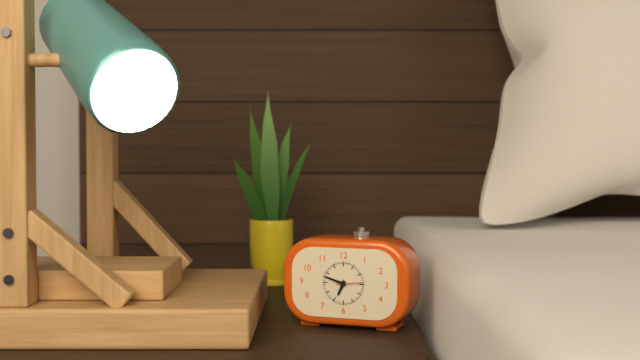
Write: 6,48
